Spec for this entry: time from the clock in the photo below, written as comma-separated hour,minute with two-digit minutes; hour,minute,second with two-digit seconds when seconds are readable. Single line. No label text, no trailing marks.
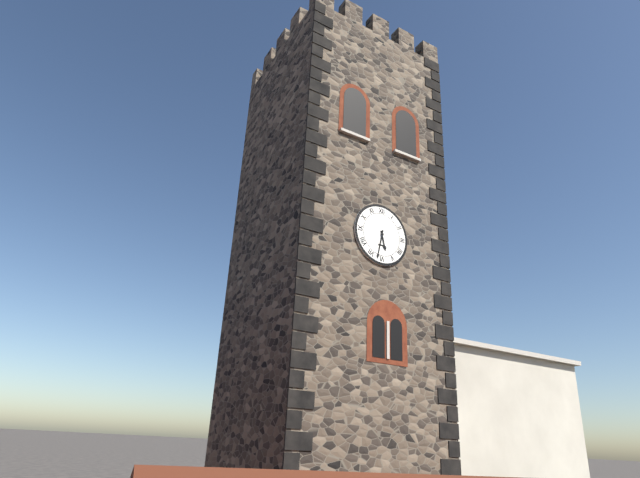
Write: 5,32
